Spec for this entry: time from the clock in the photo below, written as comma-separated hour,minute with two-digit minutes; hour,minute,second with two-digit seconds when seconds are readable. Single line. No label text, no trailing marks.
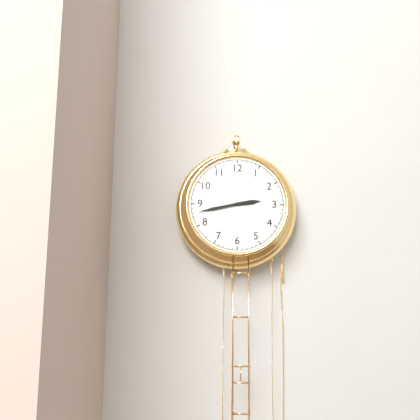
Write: 2,43
